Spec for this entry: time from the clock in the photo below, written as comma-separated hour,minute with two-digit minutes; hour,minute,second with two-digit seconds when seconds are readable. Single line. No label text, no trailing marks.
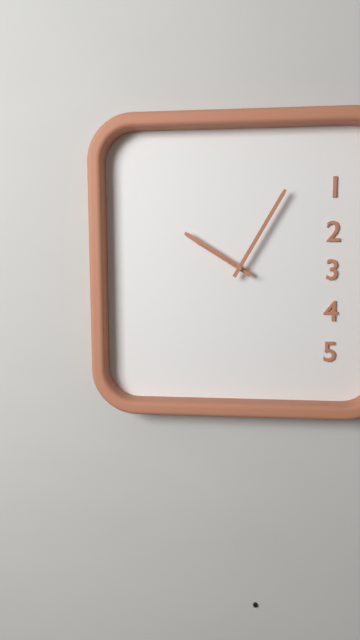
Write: 10,05,50
